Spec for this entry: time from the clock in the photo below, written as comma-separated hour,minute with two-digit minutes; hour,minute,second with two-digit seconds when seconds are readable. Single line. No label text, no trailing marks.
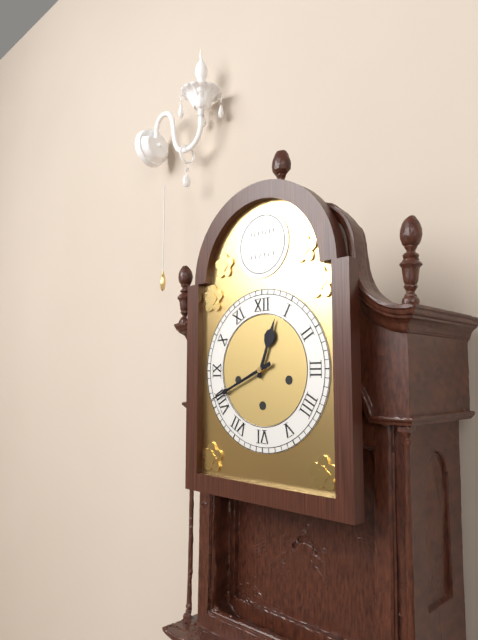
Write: 12,41
